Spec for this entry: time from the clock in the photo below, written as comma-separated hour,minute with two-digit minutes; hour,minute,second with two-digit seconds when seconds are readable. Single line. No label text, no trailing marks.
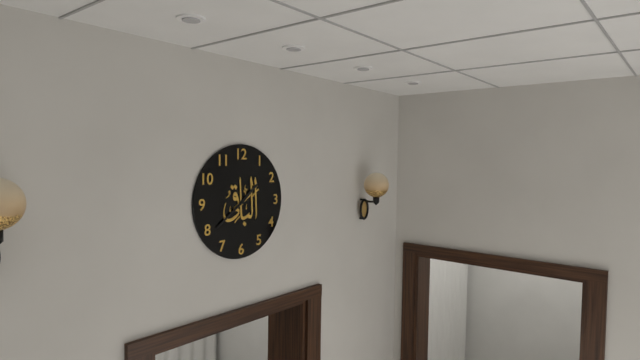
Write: 1,39
